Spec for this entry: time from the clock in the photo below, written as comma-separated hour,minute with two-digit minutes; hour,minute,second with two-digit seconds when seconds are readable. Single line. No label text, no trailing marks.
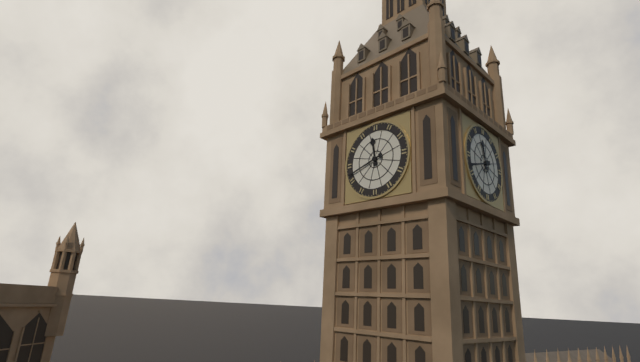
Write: 11,42
